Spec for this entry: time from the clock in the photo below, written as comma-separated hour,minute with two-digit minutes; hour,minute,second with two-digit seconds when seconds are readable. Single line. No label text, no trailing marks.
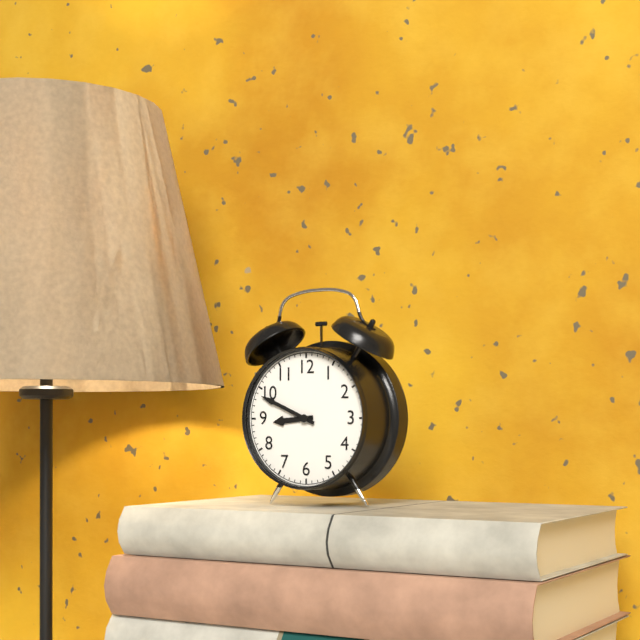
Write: 8,49
